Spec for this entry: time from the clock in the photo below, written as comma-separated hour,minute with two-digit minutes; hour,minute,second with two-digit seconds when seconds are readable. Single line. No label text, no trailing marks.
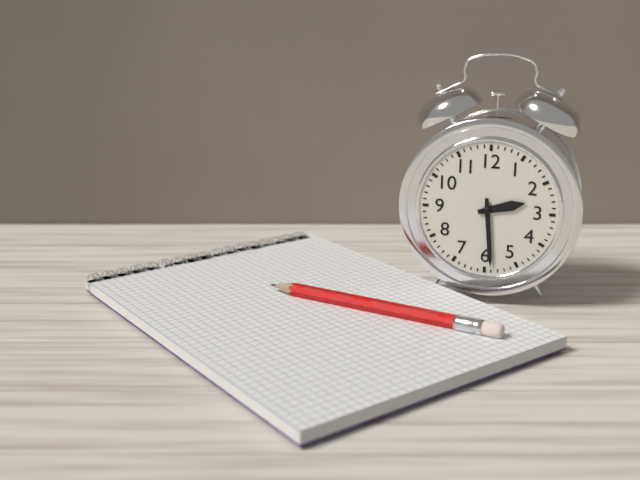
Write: 2,29
